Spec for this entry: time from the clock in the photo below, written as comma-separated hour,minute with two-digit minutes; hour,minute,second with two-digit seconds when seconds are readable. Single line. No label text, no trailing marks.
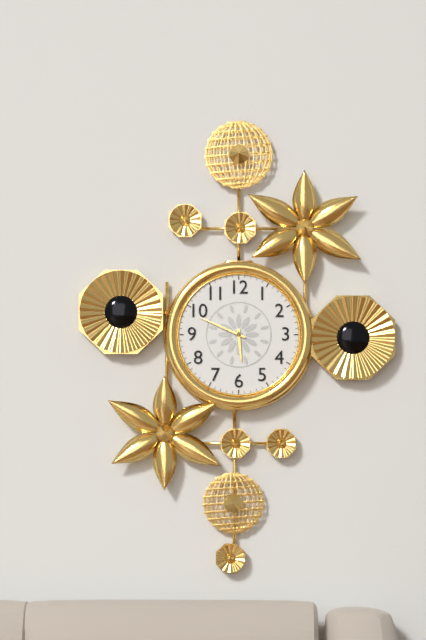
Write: 5,49
